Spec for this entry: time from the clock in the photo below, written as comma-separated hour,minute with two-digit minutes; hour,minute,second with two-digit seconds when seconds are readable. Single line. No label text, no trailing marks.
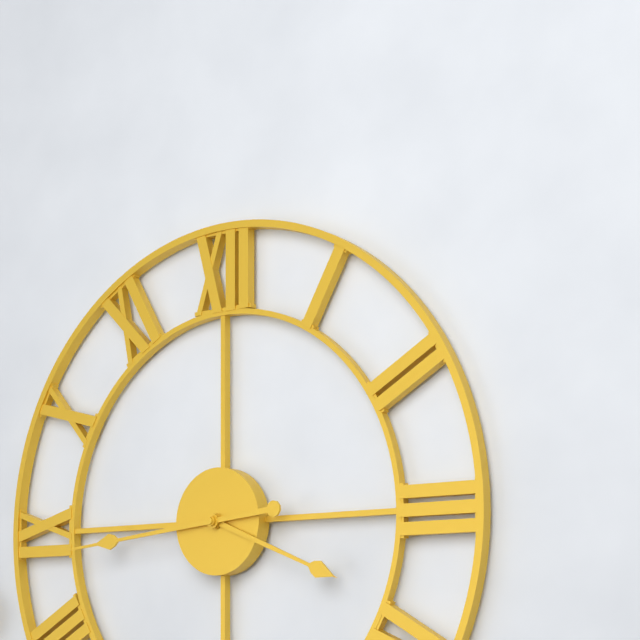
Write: 3,44
